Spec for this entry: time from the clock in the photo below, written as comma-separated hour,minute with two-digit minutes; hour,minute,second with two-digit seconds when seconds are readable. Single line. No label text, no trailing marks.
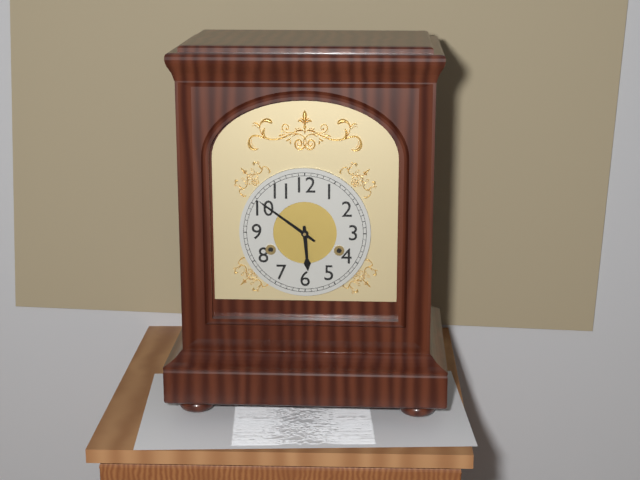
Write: 5,51
